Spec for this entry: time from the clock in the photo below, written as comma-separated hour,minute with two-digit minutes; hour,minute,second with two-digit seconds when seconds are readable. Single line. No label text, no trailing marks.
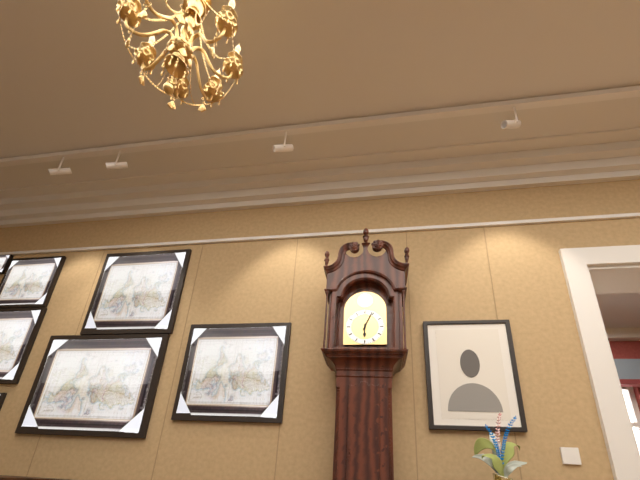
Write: 6,04
